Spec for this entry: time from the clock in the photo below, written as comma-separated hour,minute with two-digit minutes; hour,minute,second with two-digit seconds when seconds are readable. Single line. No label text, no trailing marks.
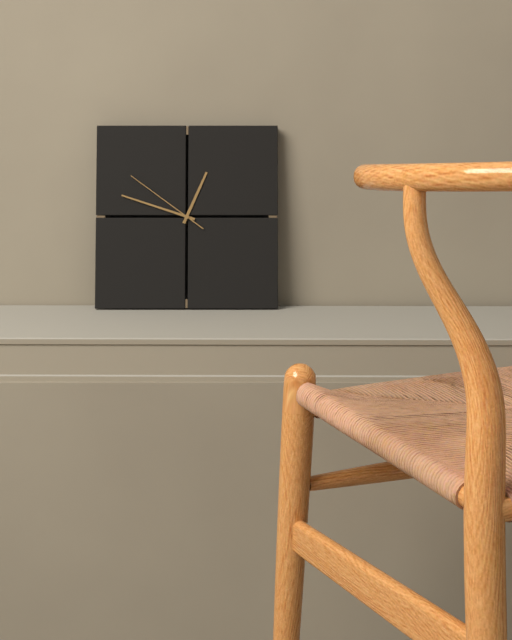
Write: 12,48,51
